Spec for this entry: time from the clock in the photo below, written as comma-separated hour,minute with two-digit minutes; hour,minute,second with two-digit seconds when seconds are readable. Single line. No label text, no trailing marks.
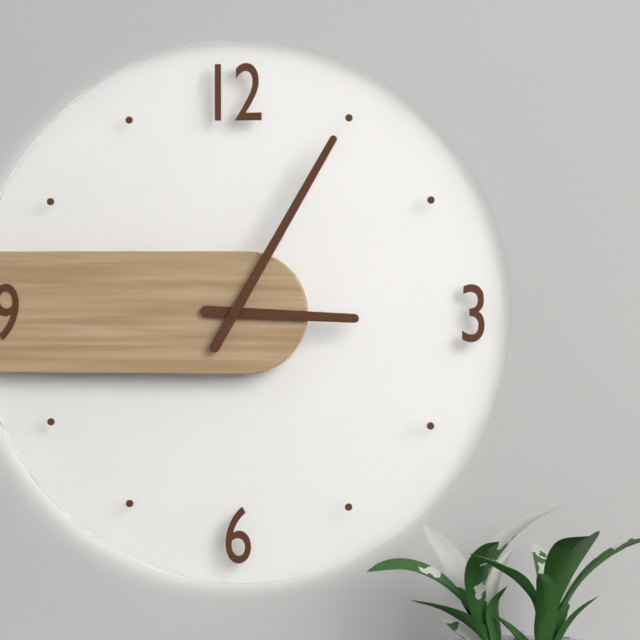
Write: 3,05
